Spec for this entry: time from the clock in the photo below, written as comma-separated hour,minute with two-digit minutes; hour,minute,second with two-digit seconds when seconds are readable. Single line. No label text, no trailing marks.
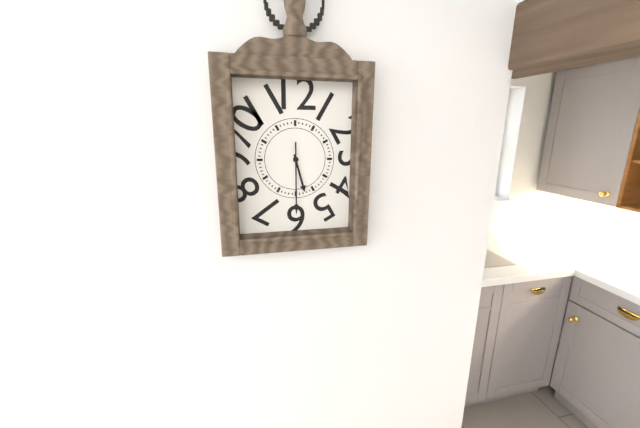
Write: 5,30
